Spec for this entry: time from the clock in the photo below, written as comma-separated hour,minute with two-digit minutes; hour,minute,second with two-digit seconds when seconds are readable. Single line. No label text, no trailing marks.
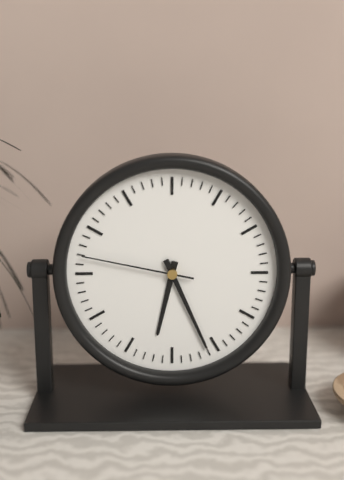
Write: 6,26,47
